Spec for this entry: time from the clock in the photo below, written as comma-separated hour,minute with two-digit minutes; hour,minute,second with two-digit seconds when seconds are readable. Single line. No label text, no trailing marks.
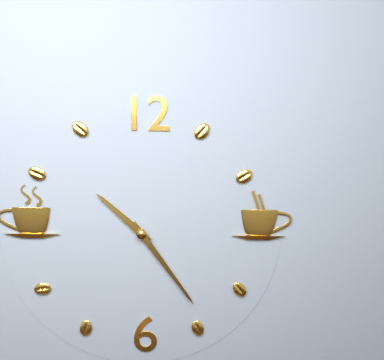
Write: 10,24
